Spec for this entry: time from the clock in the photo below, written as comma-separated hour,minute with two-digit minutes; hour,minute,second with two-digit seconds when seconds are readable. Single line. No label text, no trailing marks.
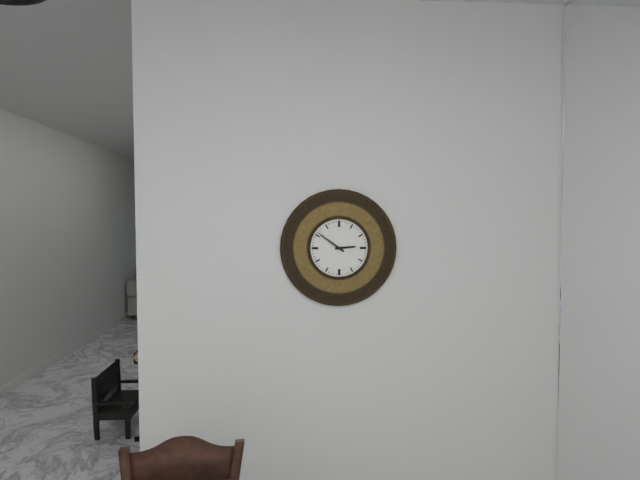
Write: 2,51
